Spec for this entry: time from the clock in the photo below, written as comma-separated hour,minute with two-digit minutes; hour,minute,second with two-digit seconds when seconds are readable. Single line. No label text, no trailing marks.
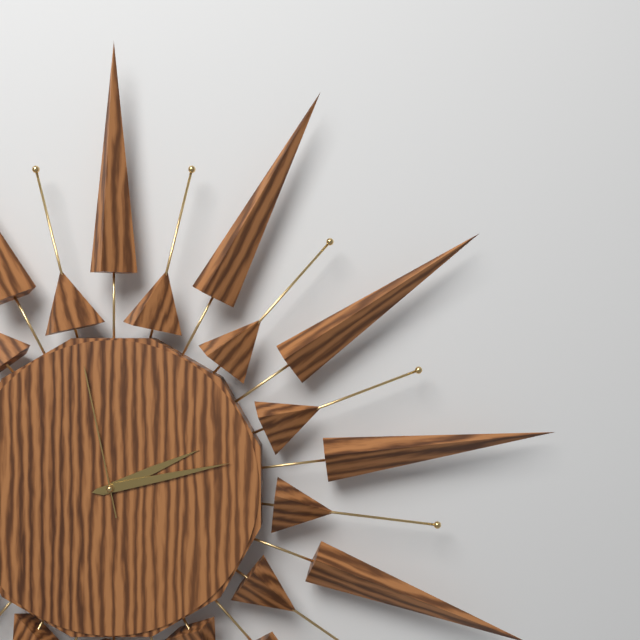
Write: 2,13,58
